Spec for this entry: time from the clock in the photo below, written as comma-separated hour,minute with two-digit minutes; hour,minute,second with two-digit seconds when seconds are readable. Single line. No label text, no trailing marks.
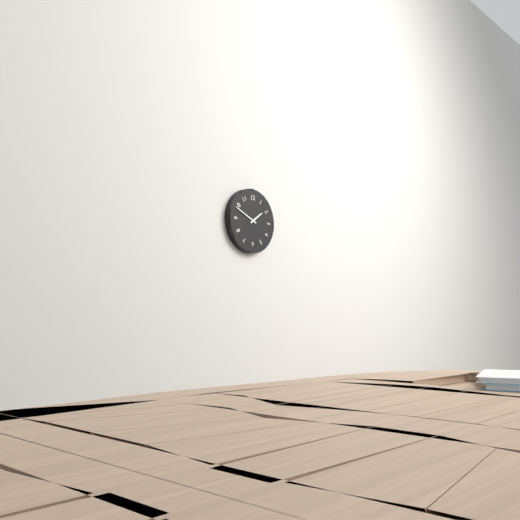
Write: 1,49
